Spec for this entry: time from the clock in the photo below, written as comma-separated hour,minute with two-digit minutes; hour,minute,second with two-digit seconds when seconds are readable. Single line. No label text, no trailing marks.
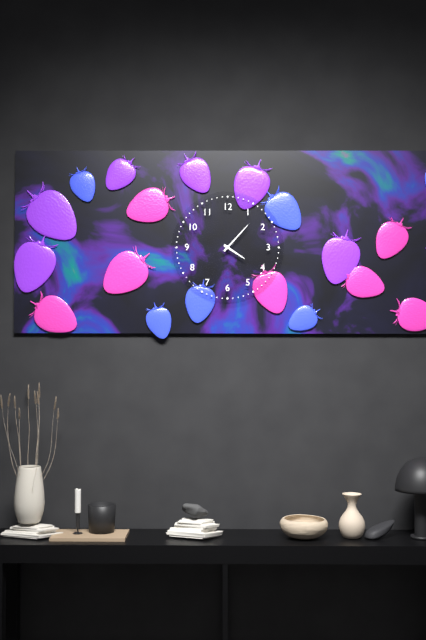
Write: 4,07
